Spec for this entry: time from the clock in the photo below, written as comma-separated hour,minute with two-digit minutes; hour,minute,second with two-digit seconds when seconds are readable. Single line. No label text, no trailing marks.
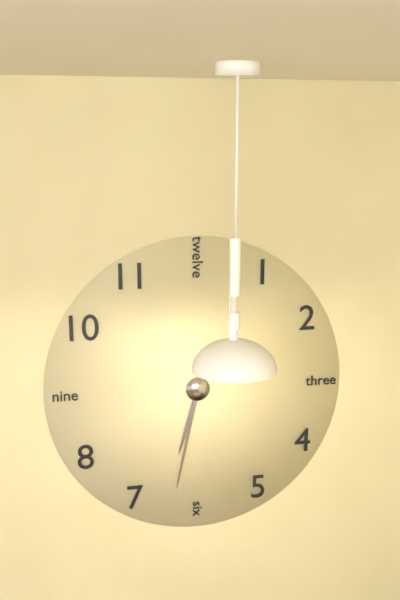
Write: 6,32
